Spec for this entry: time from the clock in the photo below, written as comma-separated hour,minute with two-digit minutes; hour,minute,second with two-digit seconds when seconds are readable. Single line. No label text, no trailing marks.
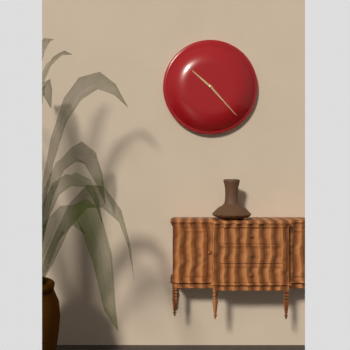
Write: 10,23
